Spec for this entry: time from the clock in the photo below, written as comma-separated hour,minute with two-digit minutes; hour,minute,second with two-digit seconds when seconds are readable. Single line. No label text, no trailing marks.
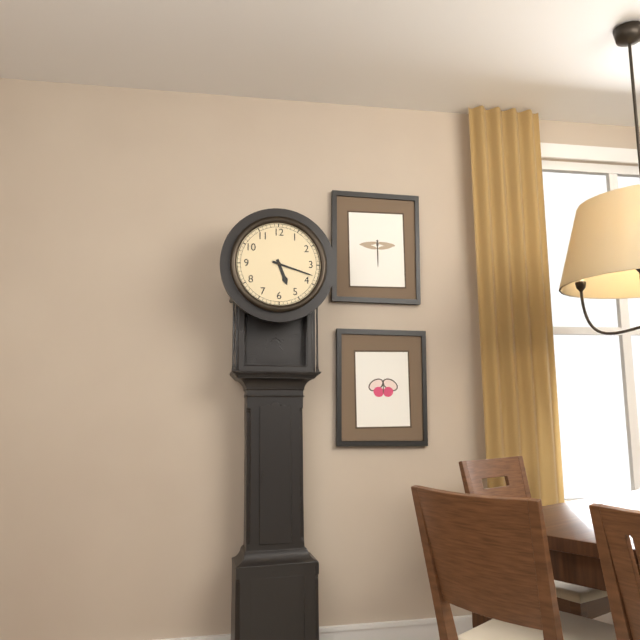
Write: 5,18
